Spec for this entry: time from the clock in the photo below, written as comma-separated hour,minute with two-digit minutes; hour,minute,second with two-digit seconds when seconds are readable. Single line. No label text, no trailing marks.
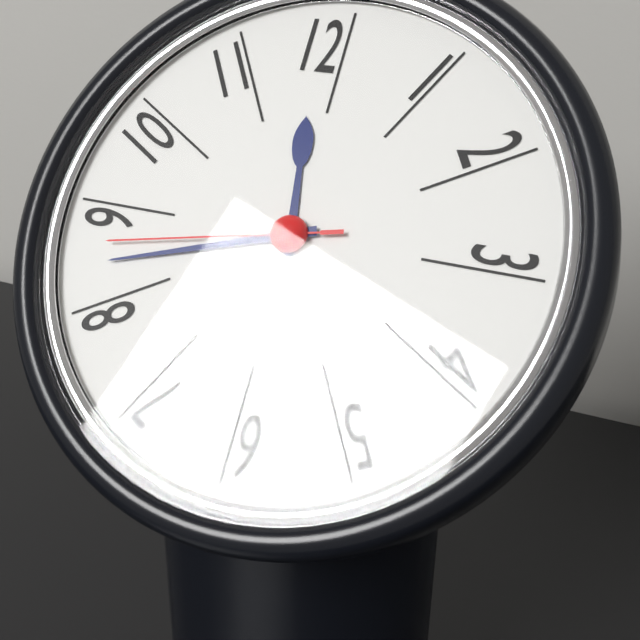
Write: 11,42,43
